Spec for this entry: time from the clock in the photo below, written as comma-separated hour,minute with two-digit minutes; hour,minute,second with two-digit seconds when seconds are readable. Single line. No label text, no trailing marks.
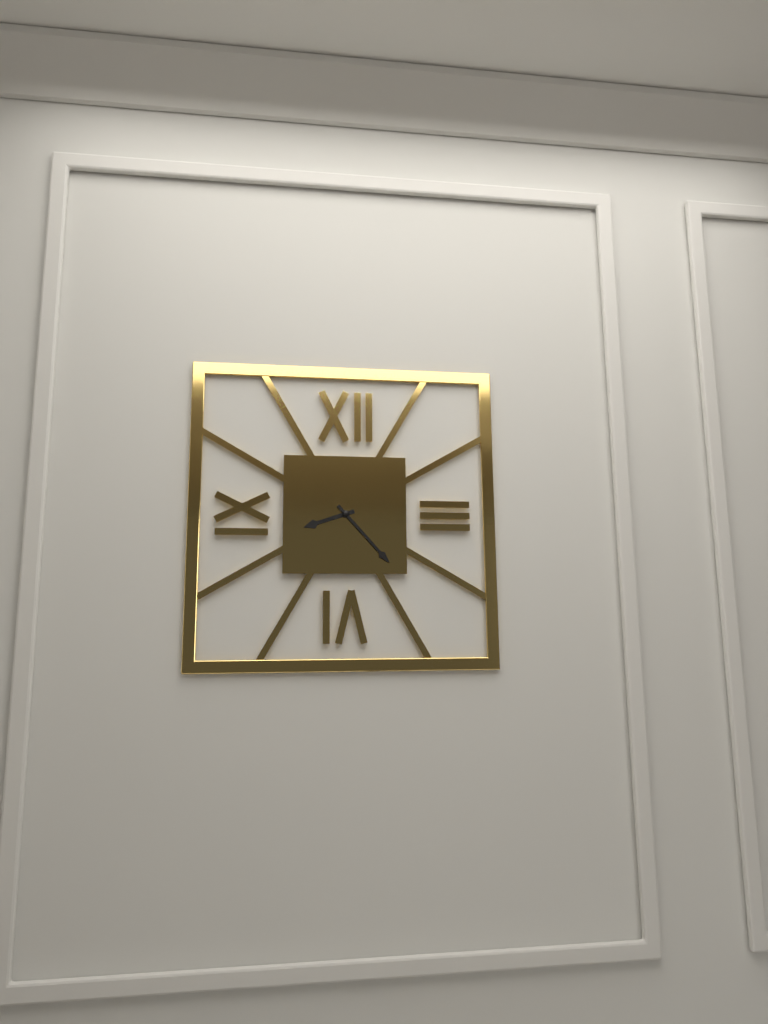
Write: 8,23
